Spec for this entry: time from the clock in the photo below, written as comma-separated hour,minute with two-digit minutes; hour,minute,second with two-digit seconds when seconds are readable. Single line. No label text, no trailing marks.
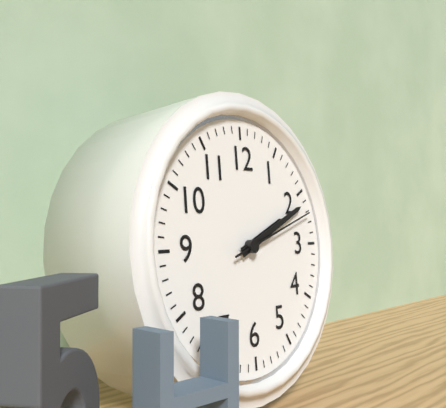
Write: 2,11,12
